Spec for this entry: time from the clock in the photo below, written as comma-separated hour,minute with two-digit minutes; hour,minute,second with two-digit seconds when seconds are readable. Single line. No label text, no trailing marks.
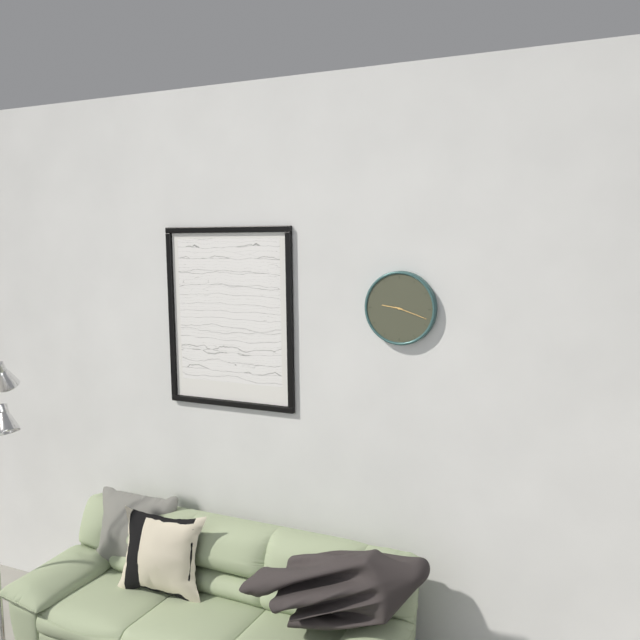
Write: 9,18
